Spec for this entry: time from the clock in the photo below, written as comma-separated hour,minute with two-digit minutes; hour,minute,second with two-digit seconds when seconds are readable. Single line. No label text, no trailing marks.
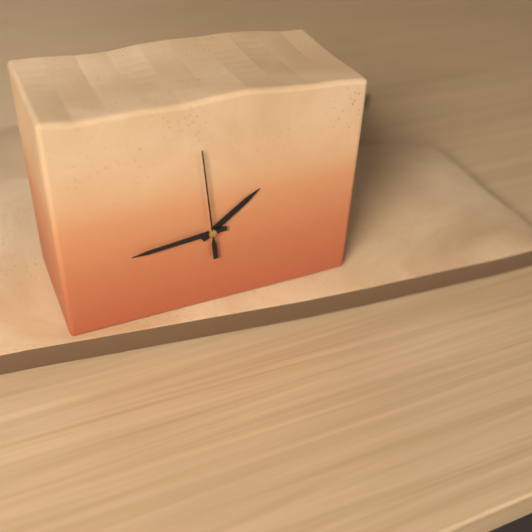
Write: 1,44,59
